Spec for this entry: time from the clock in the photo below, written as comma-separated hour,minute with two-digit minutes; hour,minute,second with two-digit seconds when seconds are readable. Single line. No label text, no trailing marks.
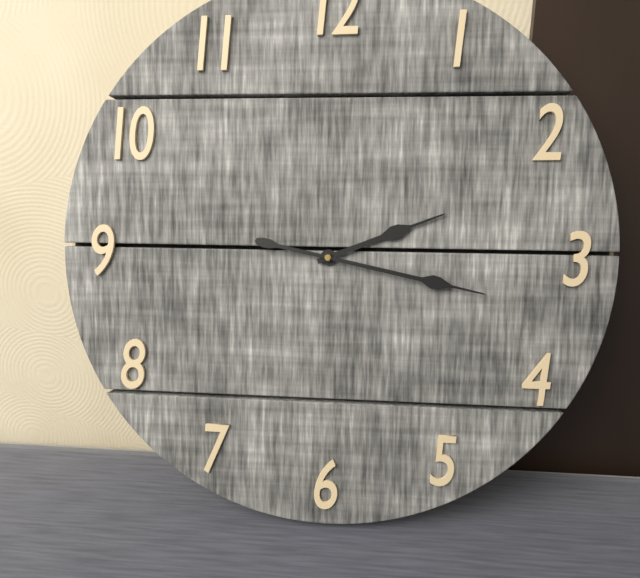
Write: 2,17
